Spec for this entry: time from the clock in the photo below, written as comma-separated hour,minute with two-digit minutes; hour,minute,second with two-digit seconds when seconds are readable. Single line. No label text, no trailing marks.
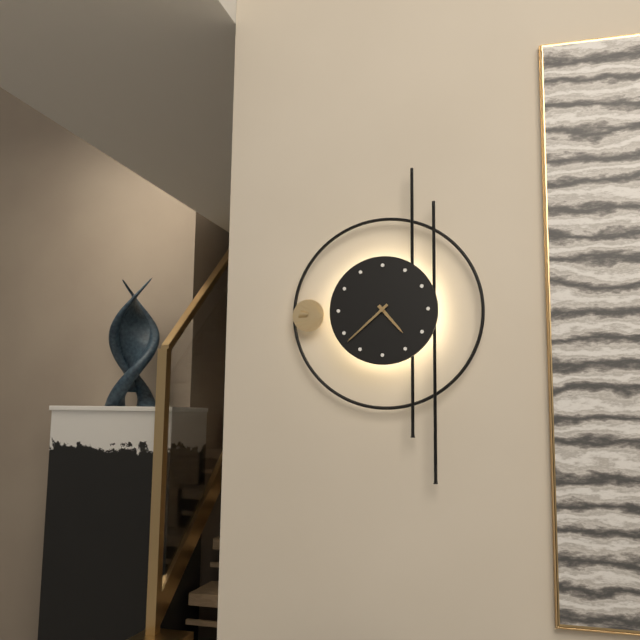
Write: 4,38
